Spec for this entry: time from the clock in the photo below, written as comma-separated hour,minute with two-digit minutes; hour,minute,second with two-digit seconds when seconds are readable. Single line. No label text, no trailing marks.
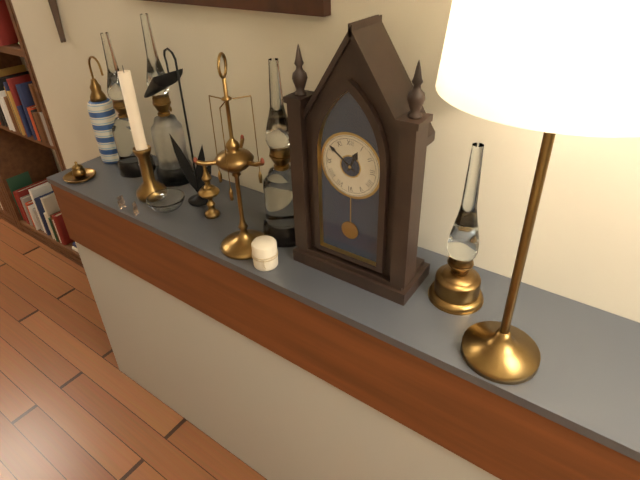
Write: 12,51
